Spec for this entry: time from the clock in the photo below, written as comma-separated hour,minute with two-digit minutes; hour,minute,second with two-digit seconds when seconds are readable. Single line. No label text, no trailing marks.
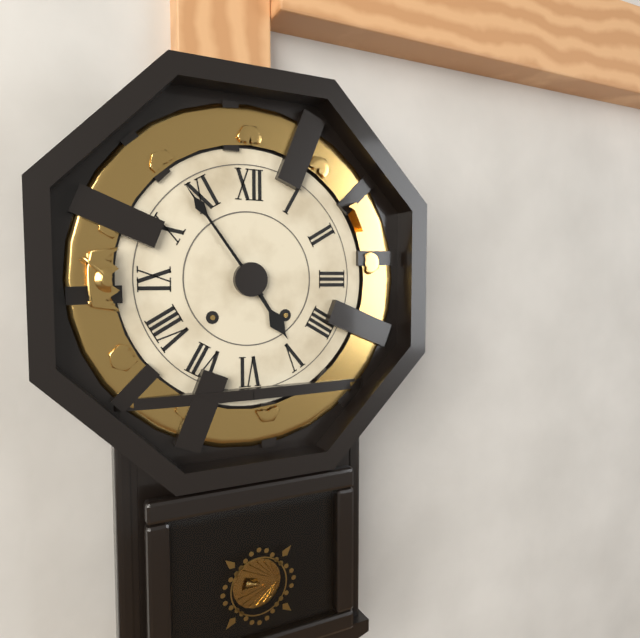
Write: 4,54
